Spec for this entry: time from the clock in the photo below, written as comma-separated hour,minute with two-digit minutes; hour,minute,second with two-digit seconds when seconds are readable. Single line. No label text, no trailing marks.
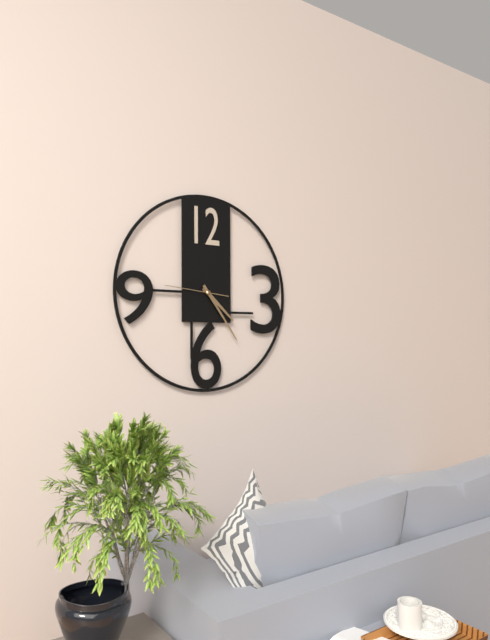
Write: 4,24,46
